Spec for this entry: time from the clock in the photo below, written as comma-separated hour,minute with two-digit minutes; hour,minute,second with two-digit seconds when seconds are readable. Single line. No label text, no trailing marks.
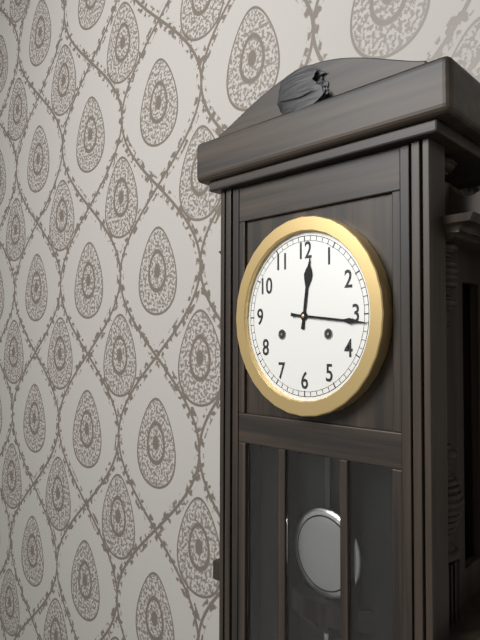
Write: 12,16
